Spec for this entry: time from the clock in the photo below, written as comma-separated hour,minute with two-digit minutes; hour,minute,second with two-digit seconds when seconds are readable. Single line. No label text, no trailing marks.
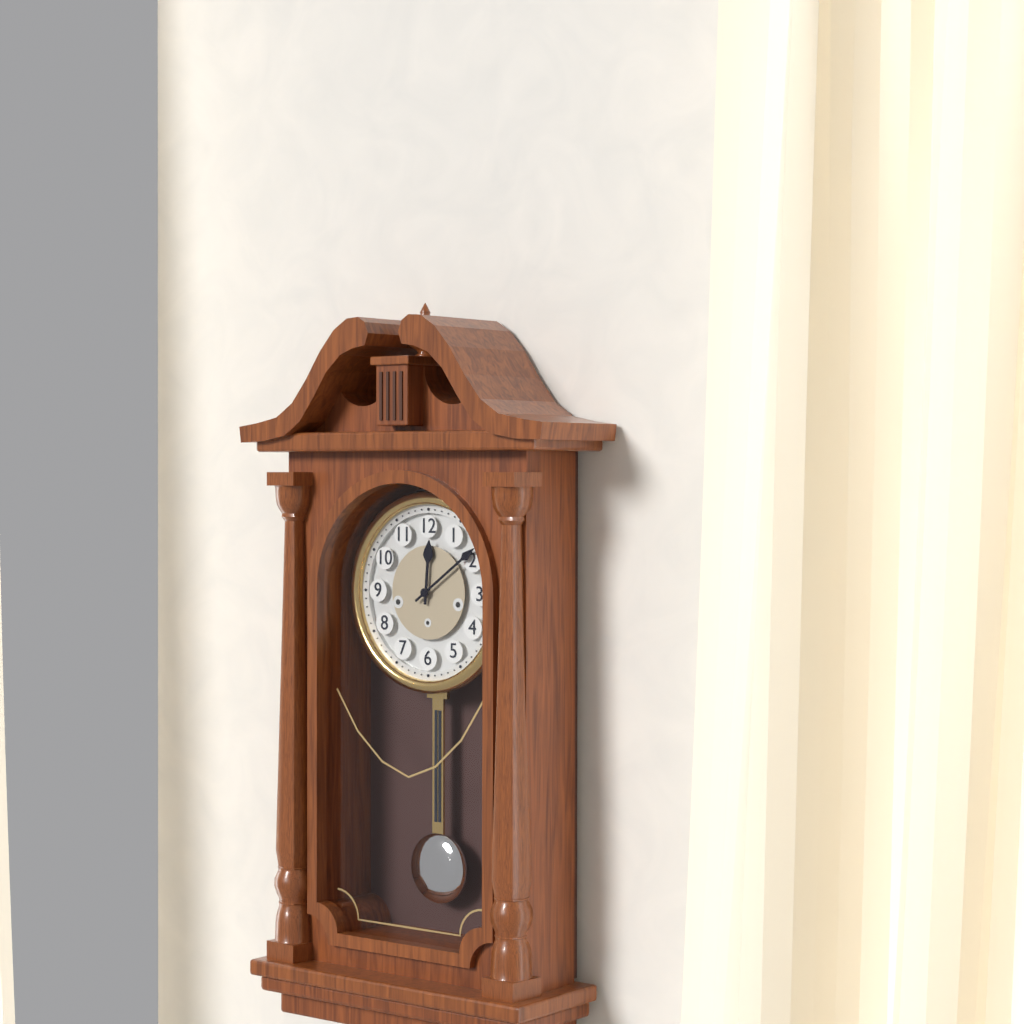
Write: 12,09
